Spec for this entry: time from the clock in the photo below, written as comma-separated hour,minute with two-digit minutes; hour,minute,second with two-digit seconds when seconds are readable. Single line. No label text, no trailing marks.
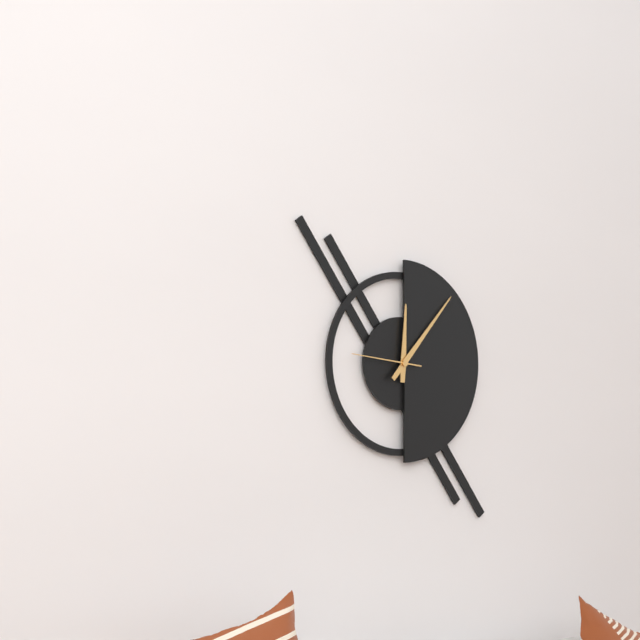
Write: 12,07,46
